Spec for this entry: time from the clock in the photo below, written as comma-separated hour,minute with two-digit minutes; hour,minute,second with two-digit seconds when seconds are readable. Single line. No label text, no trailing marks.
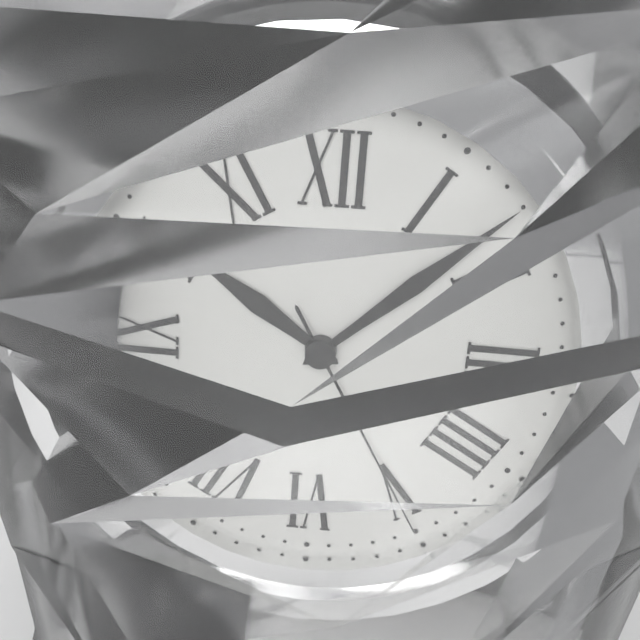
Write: 10,08,25
